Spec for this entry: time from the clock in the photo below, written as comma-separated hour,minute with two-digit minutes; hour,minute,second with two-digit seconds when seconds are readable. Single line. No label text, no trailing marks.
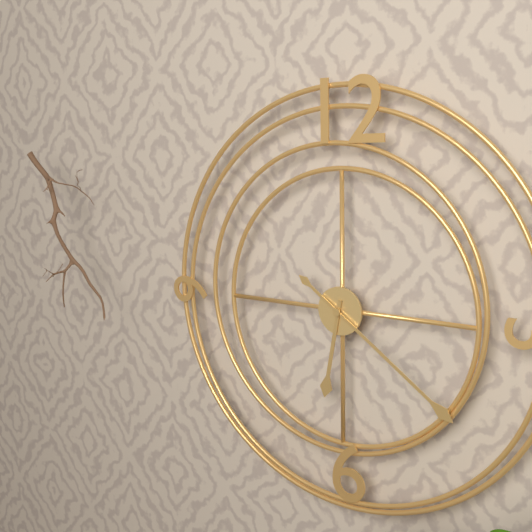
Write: 6,21
